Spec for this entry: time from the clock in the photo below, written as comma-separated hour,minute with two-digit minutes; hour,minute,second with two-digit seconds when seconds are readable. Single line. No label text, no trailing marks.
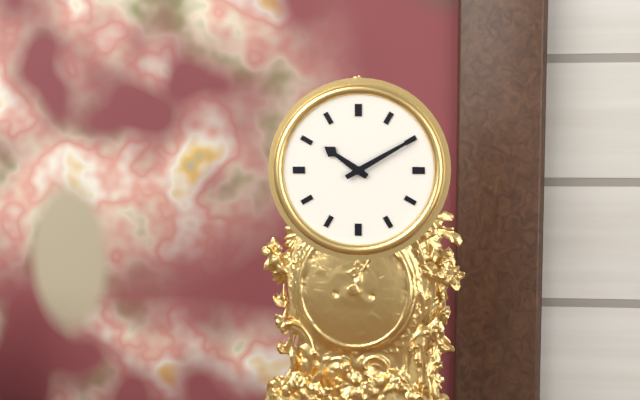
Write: 10,10
